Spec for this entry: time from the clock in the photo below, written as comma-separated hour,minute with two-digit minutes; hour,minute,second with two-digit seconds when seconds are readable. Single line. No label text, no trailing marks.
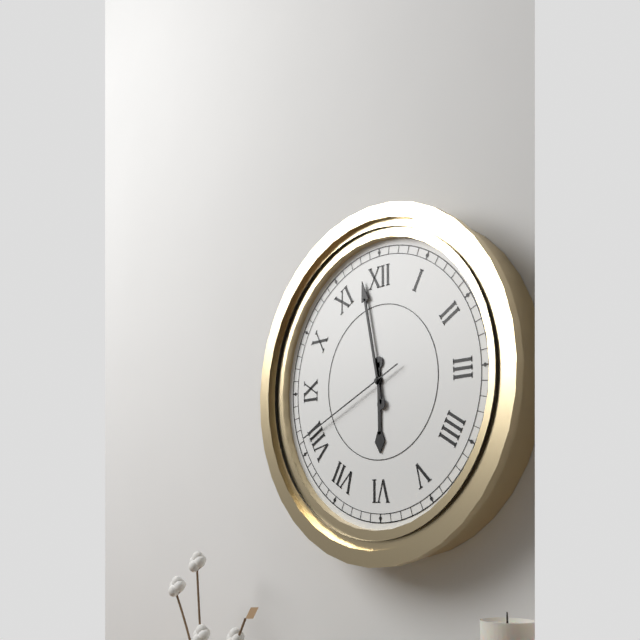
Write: 5,58,41
